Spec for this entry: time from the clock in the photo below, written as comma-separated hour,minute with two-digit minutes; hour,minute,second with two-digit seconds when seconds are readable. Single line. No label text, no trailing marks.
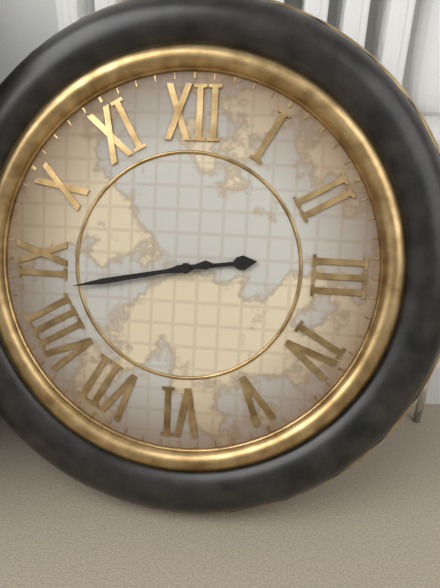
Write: 2,43
